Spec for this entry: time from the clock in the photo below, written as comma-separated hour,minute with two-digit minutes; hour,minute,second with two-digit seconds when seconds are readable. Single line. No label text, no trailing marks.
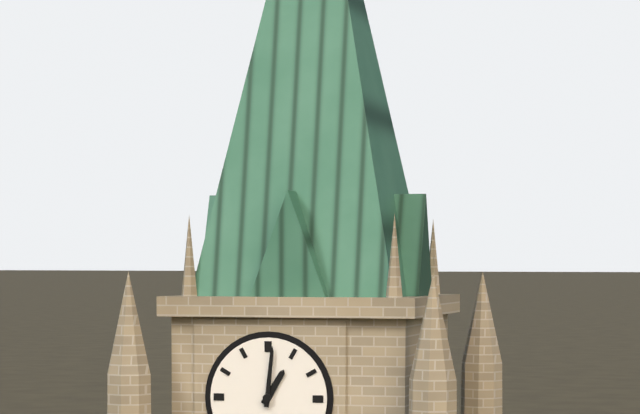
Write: 1,01
